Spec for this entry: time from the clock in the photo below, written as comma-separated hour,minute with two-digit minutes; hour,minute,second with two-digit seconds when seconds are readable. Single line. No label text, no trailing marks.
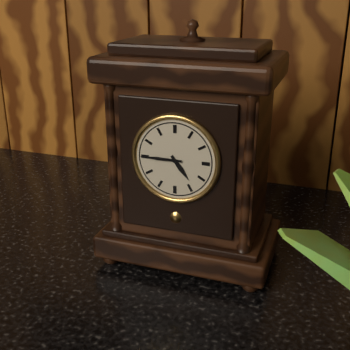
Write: 4,45
